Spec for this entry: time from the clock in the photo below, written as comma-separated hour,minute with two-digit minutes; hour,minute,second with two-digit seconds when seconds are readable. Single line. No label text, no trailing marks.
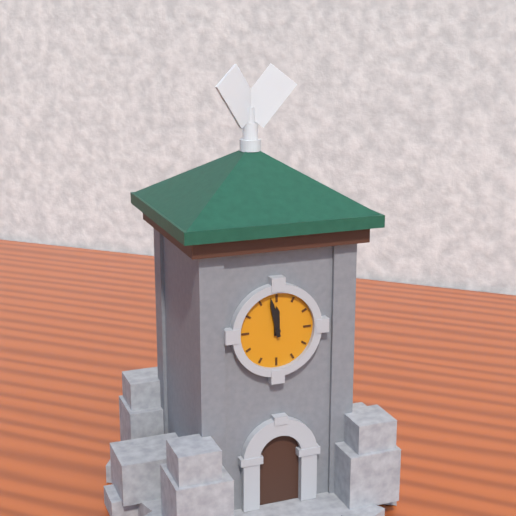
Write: 11,58
